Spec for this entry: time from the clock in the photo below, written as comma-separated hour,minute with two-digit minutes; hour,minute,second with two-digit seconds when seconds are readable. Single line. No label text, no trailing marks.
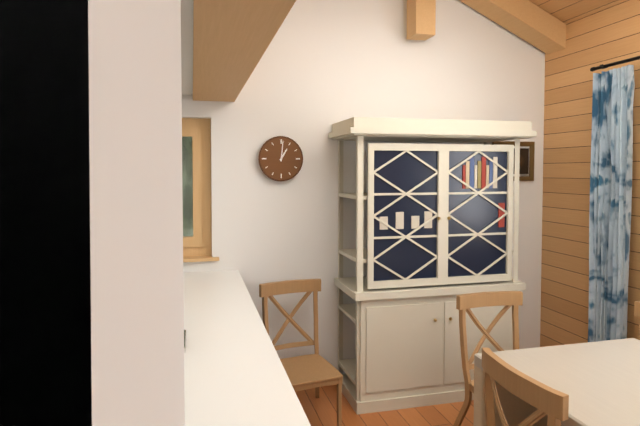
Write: 1,01
